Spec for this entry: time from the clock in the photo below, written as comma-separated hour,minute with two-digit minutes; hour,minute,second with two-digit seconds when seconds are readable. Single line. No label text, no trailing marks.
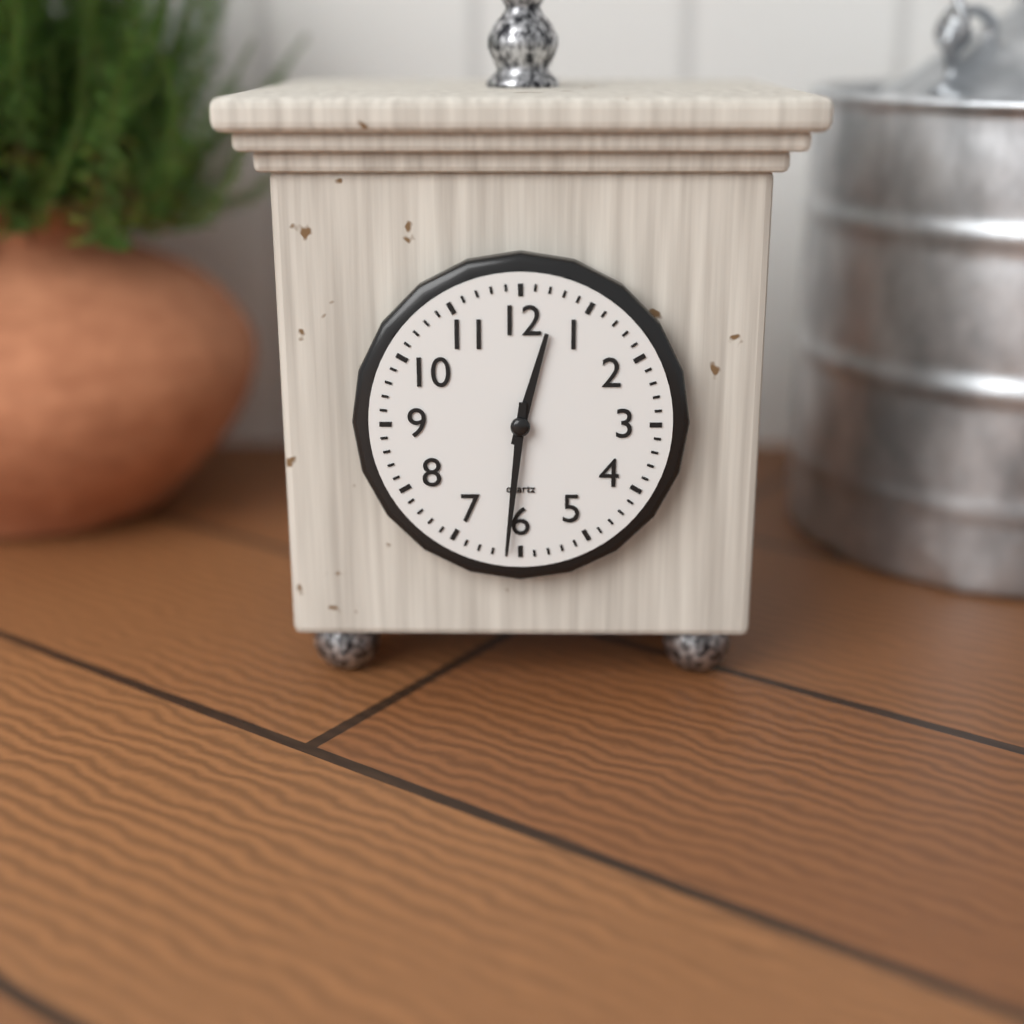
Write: 12,31
